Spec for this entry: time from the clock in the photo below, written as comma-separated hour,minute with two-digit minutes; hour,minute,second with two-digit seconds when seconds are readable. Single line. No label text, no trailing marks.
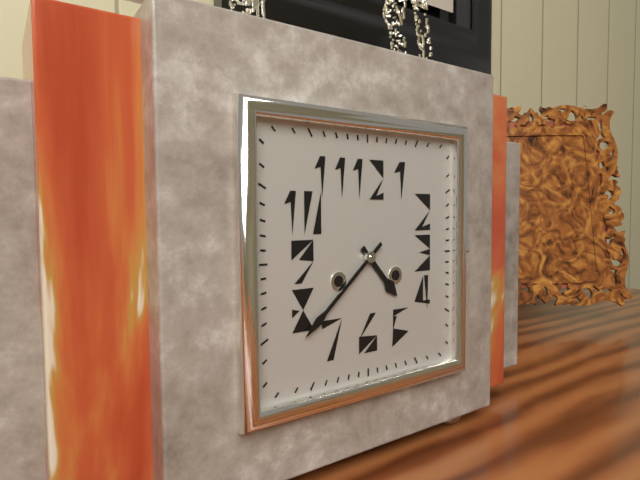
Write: 4,38
